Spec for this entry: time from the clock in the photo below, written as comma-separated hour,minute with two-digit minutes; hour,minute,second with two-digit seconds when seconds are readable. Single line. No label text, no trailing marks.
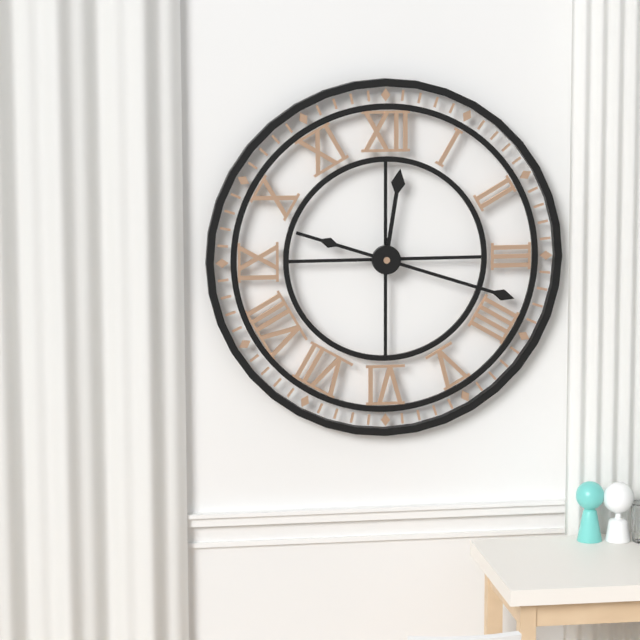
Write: 12,18
